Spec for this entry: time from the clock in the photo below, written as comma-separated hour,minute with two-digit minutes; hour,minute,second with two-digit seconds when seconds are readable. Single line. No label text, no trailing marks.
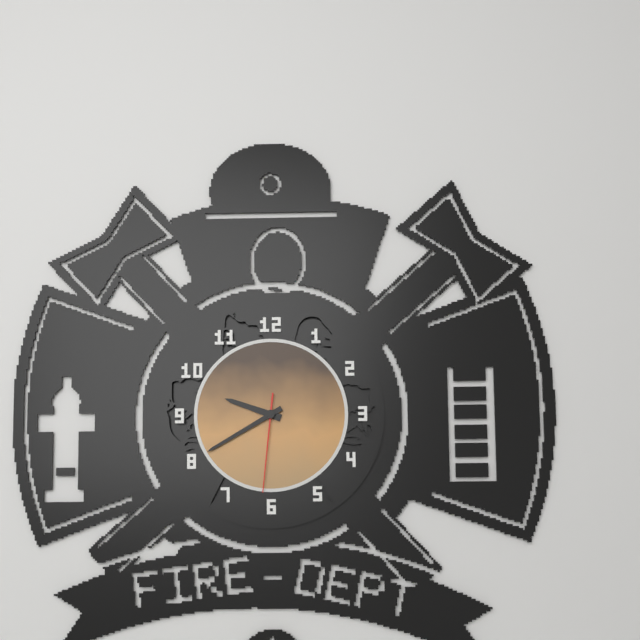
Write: 9,40,31
